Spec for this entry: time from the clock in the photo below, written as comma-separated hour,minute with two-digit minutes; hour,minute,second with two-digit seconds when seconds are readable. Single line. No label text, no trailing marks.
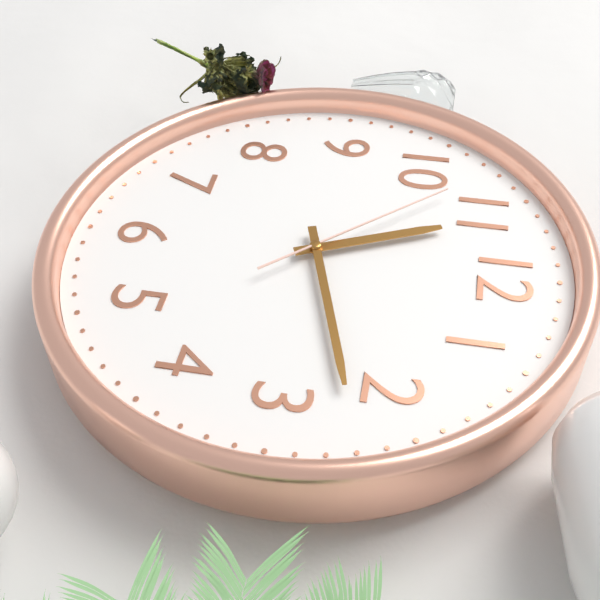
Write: 11,12,53
